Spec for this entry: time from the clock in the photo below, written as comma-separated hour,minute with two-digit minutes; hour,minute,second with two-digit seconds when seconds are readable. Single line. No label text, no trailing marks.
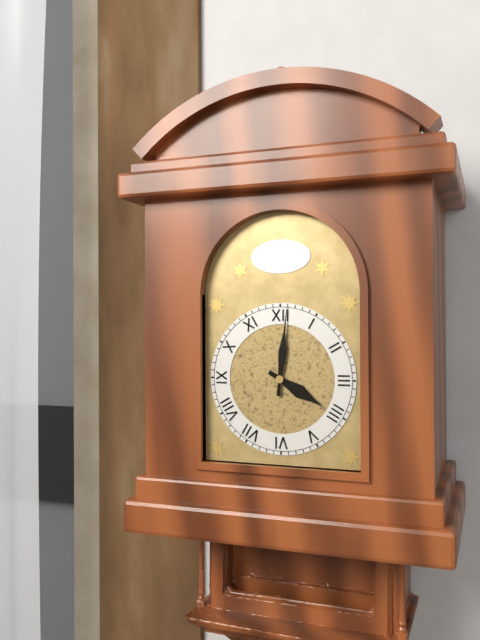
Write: 4,01
